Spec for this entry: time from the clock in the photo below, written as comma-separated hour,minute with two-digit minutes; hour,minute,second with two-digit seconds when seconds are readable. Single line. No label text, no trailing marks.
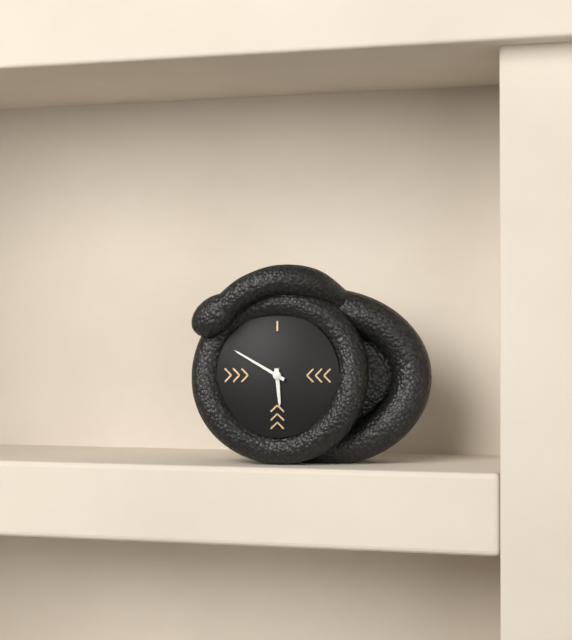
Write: 5,50
